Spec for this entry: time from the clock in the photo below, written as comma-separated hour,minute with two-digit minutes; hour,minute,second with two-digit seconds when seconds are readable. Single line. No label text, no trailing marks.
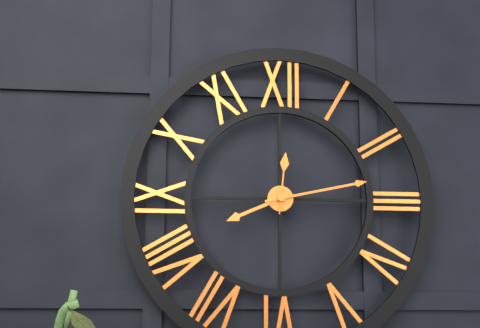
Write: 8,13,01
